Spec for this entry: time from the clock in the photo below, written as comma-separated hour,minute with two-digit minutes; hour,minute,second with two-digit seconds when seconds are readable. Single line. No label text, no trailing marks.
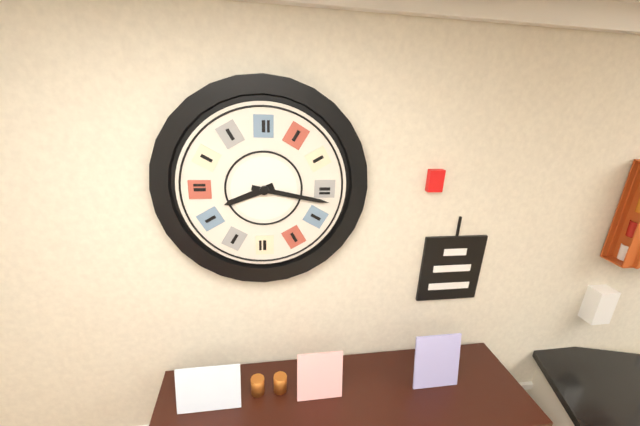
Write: 8,17
